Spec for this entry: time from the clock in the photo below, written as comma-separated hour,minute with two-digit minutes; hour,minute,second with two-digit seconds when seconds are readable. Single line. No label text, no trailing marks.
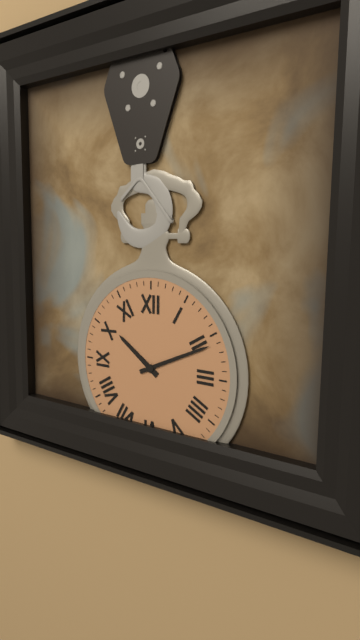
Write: 10,11
